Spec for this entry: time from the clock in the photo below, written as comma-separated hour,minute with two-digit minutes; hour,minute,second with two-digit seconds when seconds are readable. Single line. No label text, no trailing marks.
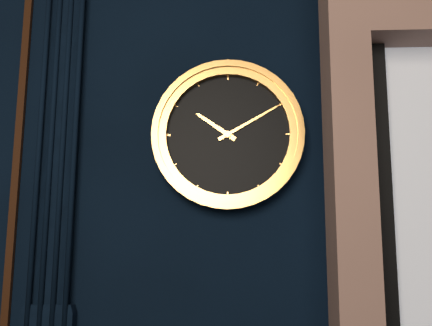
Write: 10,10
